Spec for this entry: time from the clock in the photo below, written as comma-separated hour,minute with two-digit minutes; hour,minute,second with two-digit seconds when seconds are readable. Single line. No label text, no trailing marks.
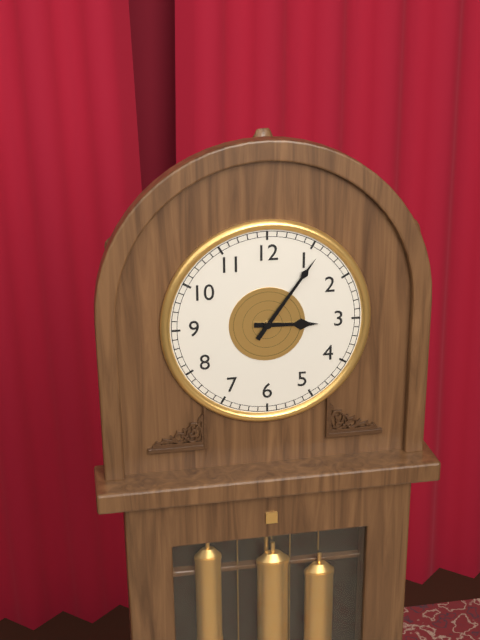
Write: 3,06
